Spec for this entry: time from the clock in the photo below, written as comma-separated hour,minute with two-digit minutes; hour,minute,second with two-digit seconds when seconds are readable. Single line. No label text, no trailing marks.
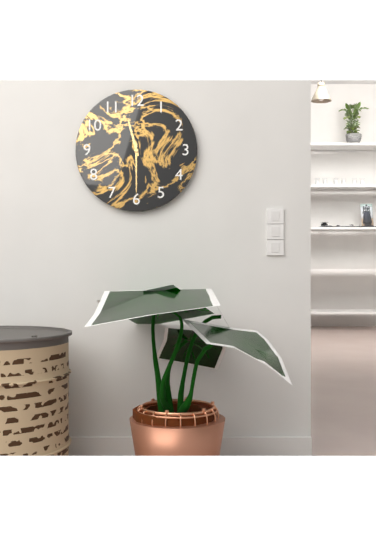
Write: 11,30
